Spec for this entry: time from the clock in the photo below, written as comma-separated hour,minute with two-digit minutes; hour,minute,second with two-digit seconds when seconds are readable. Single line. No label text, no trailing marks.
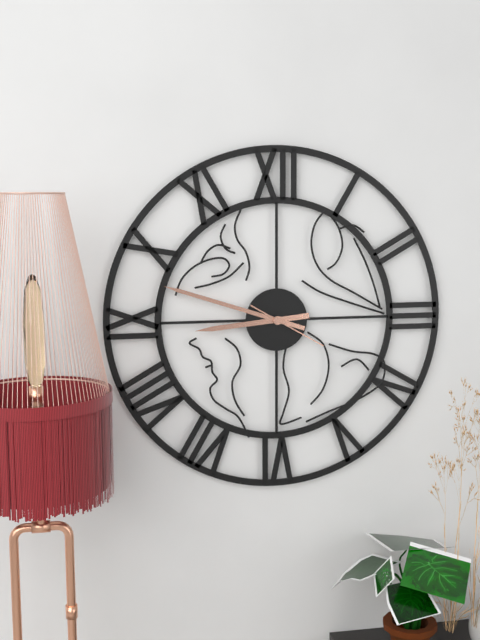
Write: 8,48,20
